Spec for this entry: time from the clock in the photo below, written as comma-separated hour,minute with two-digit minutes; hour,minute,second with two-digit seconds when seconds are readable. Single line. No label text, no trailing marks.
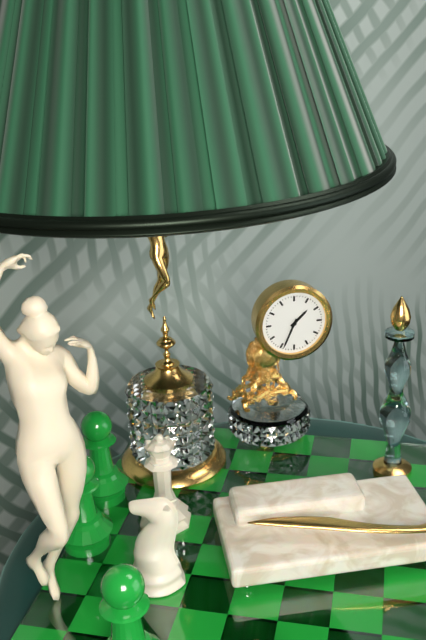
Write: 1,34
